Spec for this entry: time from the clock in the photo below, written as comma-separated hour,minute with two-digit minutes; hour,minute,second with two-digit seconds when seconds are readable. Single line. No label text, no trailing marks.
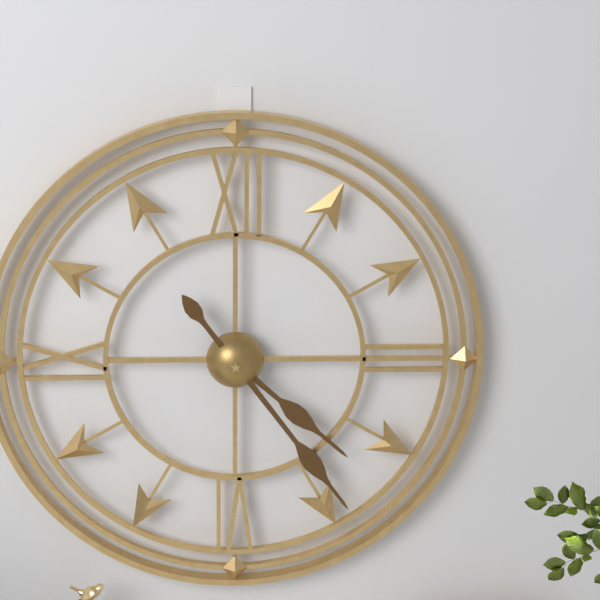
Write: 4,24
